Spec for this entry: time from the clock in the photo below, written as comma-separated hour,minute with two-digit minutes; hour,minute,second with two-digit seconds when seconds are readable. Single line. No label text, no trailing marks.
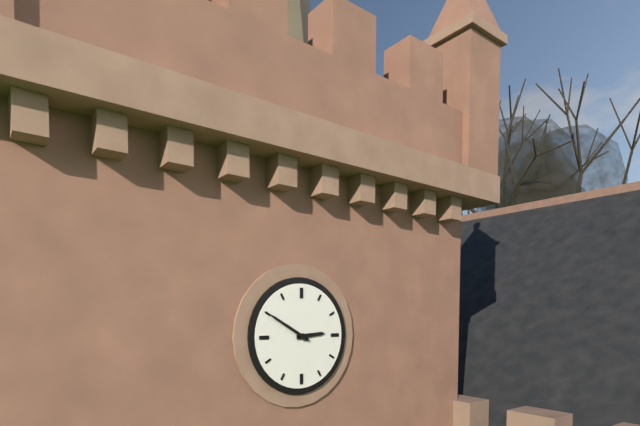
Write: 2,50
